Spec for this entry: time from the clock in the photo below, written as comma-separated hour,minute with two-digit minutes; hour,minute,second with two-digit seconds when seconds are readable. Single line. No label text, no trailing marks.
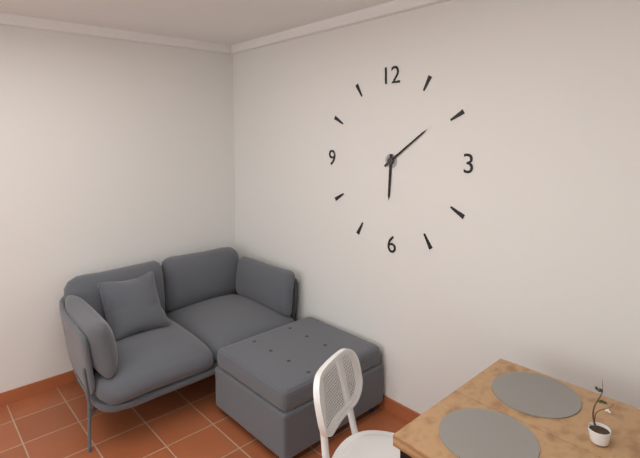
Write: 6,09
